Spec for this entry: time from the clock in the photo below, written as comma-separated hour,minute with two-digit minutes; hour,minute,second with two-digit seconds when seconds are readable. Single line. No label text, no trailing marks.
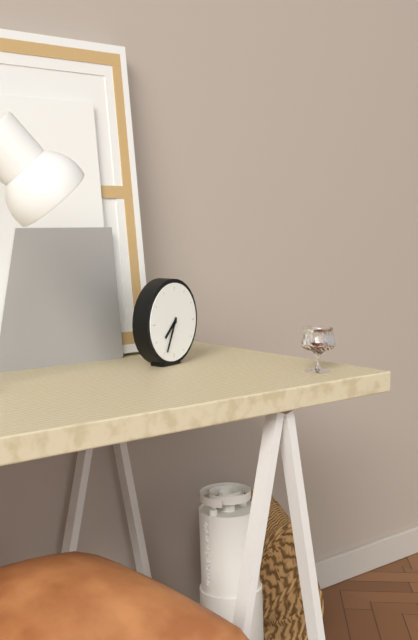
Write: 7,34
